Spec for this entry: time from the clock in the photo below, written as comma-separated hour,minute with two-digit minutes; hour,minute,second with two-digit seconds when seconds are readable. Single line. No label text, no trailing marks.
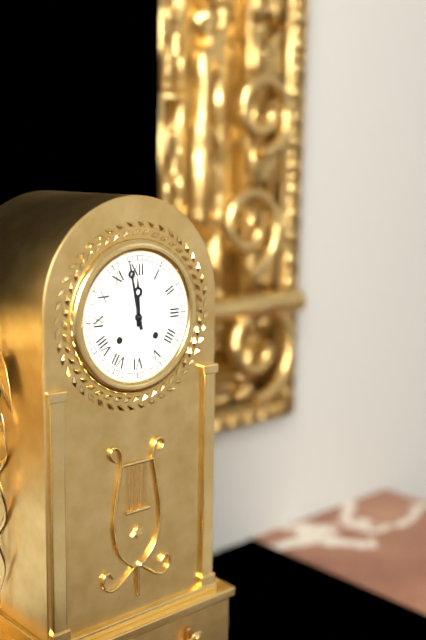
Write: 11,58
